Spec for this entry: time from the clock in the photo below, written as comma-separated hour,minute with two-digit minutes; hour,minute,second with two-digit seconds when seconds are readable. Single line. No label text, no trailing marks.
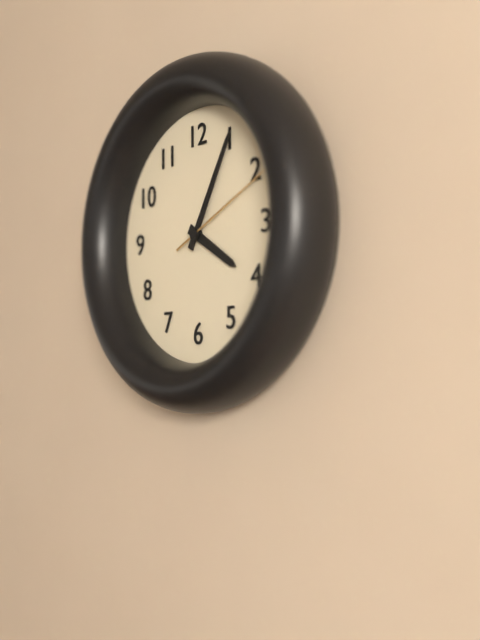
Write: 4,05,11
